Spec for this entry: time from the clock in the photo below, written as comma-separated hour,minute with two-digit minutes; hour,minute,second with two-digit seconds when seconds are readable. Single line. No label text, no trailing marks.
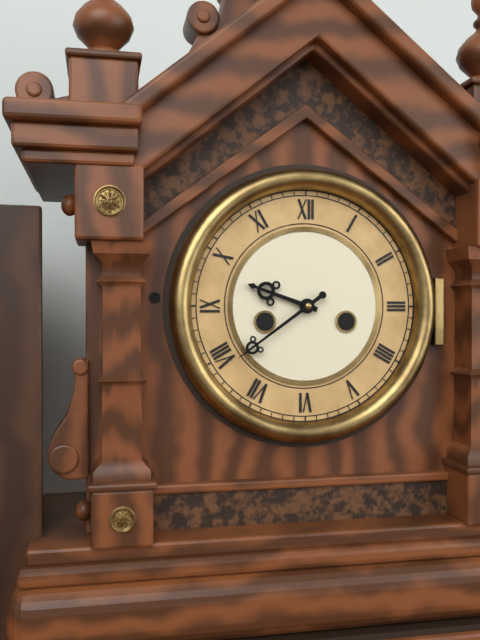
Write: 9,39
